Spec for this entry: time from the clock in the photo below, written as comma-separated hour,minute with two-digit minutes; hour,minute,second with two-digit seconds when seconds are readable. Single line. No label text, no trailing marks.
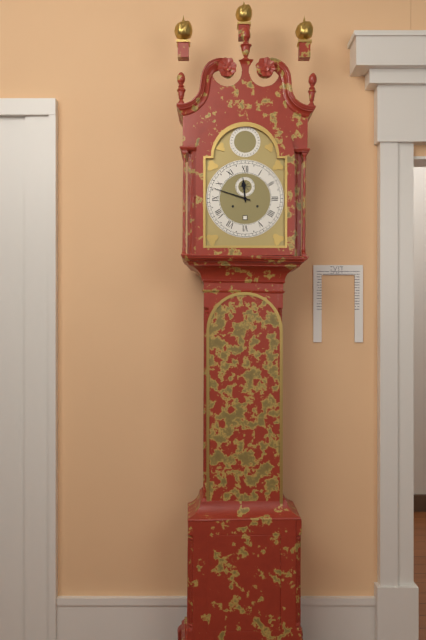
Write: 11,48
